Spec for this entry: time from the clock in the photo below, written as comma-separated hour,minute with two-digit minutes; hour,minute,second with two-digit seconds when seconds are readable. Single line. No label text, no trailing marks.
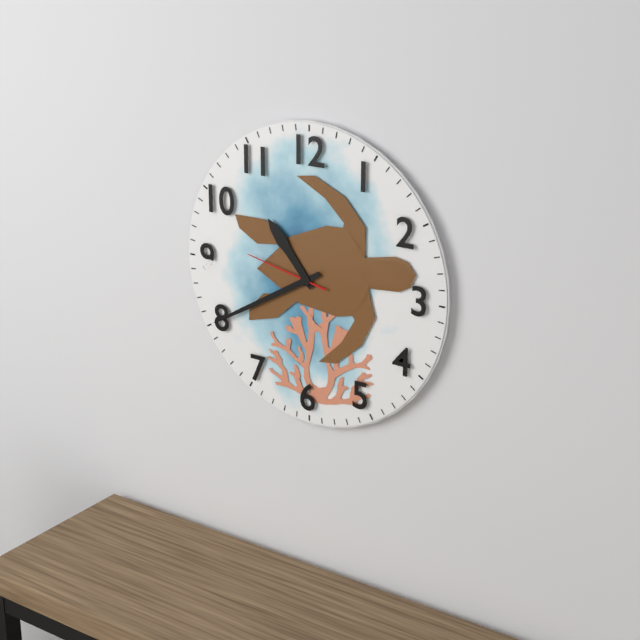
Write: 10,40,47
